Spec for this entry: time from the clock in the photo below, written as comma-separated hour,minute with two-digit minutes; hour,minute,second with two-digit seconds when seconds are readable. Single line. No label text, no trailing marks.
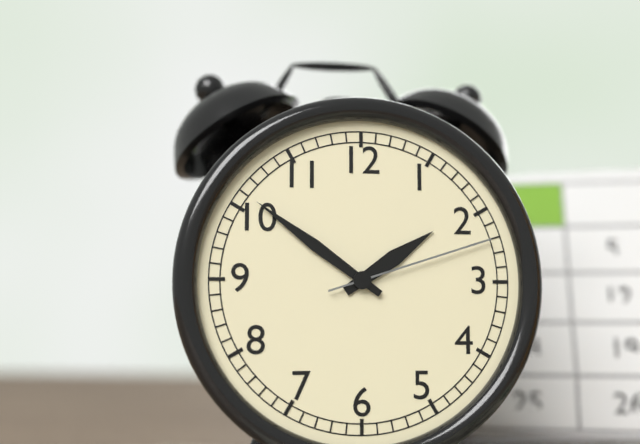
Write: 1,51,12
